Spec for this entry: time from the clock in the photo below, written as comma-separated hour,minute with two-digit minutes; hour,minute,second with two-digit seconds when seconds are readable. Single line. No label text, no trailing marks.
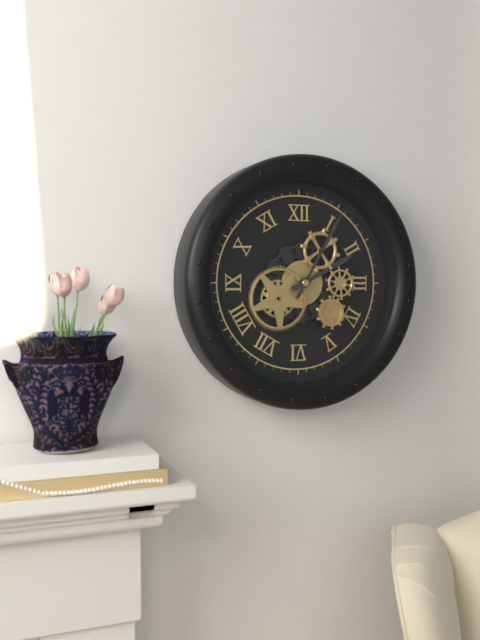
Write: 2,05
